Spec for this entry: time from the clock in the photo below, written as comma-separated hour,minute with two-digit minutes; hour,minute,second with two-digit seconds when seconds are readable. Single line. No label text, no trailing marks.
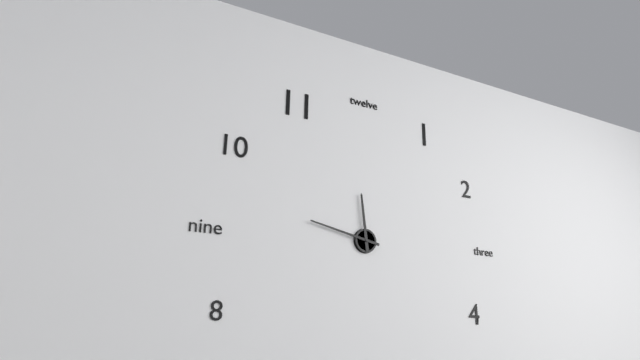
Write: 11,47
